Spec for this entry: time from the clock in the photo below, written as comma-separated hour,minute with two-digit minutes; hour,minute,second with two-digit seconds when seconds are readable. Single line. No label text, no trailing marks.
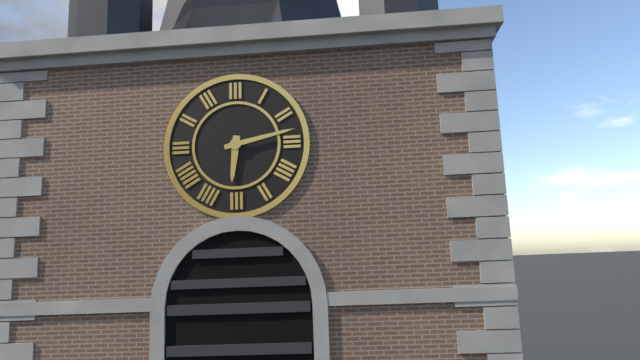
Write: 6,13
